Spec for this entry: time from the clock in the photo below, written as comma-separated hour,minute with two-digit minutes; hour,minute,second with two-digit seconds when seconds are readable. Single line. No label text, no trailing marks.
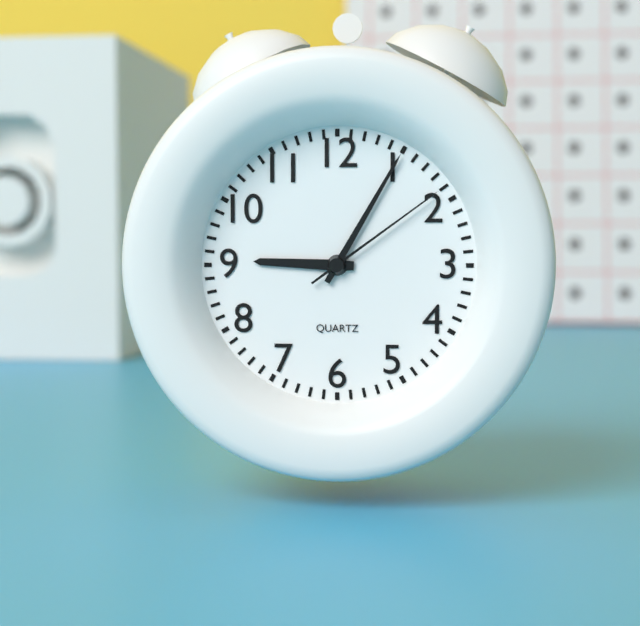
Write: 9,05,09
